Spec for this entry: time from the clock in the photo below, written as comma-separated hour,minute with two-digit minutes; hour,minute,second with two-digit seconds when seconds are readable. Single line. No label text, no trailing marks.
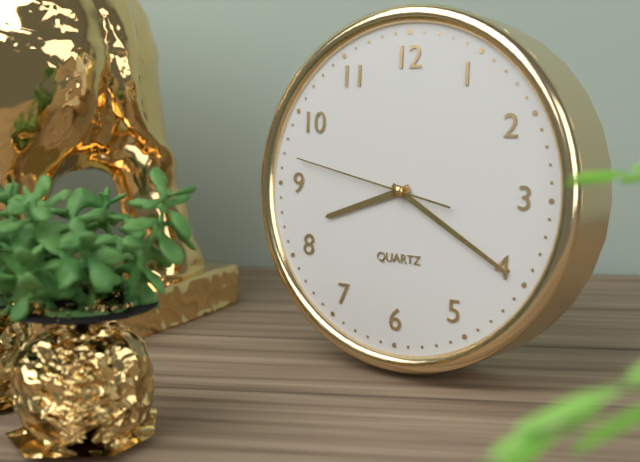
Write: 8,20,47
